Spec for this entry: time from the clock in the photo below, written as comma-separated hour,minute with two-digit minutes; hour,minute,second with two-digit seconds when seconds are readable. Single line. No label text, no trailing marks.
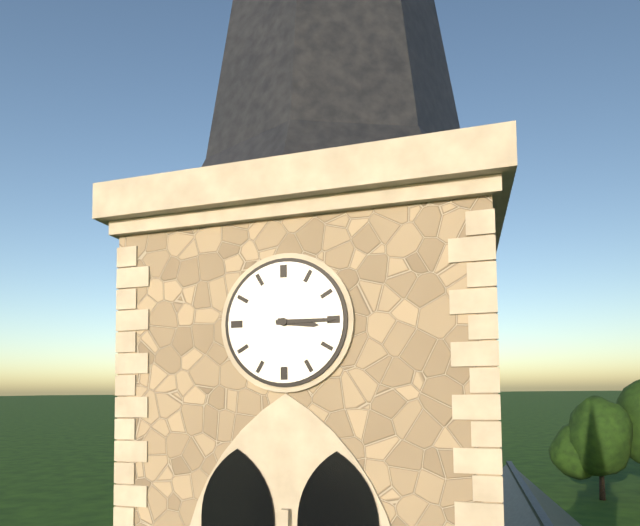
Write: 3,15
